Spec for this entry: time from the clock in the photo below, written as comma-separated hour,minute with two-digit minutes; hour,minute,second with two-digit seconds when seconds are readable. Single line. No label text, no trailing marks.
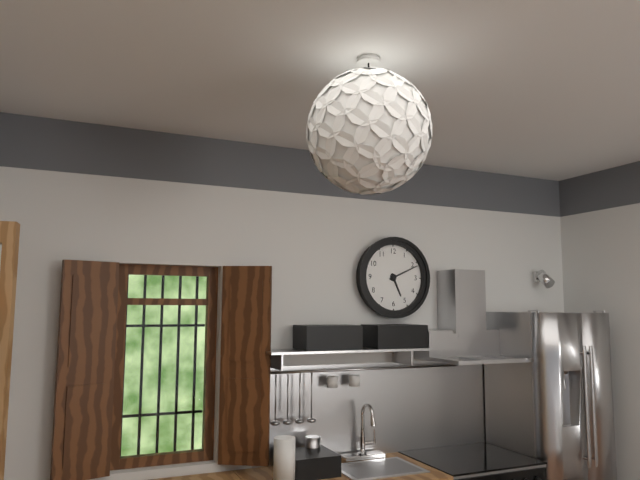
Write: 5,11
